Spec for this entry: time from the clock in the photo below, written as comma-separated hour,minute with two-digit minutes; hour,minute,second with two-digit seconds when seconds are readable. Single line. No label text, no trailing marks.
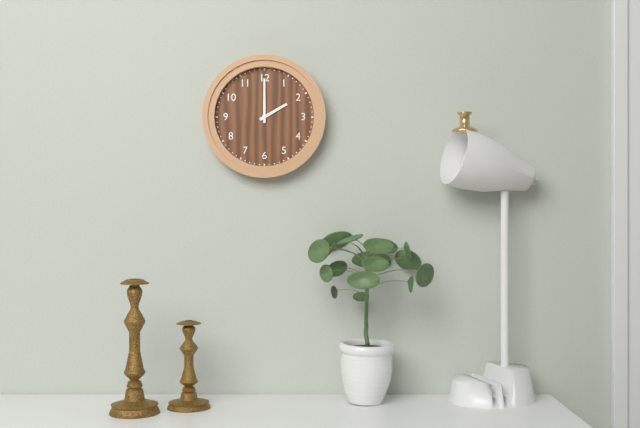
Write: 2,00
